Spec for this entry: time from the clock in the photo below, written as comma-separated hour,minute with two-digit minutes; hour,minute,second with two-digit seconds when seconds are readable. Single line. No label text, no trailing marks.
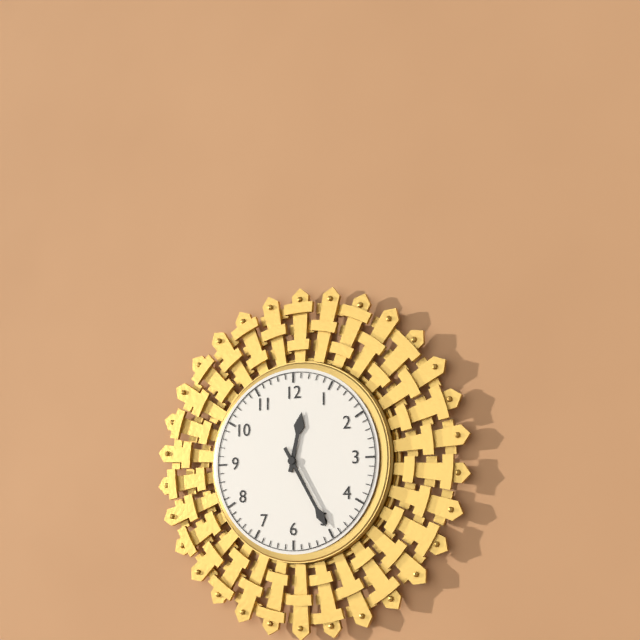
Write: 12,25
